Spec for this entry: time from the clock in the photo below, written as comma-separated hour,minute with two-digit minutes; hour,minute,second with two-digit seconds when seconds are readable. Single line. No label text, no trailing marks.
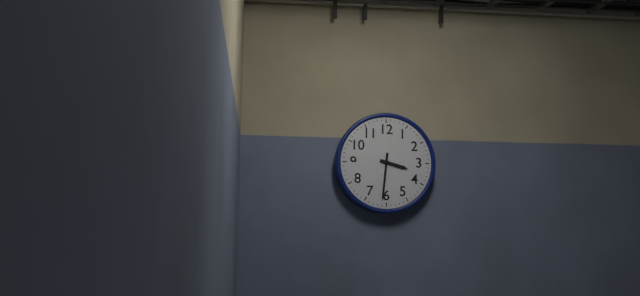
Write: 3,31
